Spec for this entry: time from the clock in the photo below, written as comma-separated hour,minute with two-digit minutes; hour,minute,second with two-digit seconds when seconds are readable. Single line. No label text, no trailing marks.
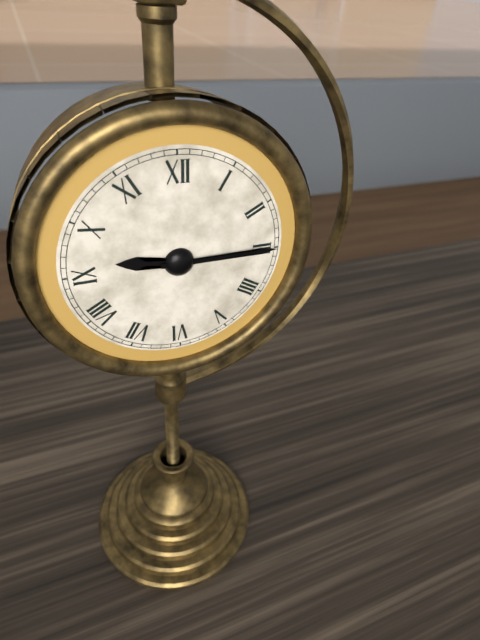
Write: 9,15
